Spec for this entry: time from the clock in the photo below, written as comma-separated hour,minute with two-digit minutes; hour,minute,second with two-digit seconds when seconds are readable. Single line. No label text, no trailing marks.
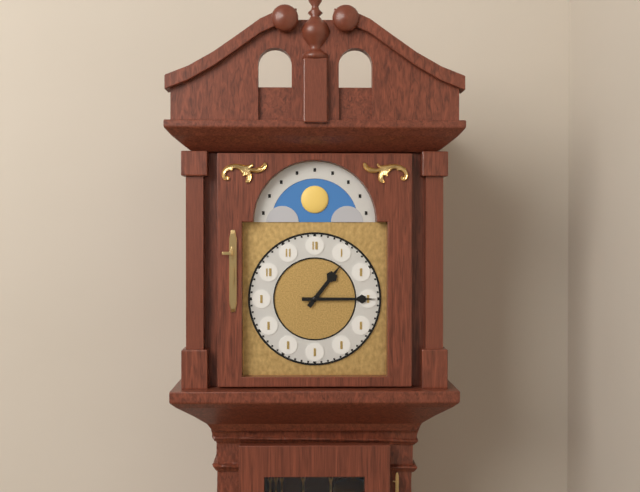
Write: 1,15
